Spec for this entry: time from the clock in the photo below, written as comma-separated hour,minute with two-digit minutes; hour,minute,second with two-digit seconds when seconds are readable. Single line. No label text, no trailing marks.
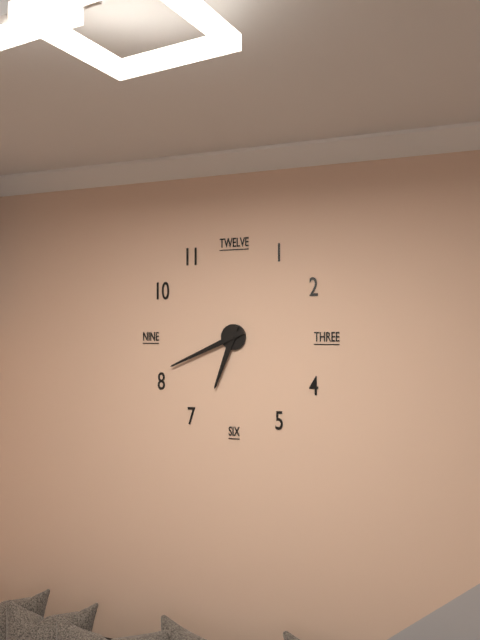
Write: 6,41
